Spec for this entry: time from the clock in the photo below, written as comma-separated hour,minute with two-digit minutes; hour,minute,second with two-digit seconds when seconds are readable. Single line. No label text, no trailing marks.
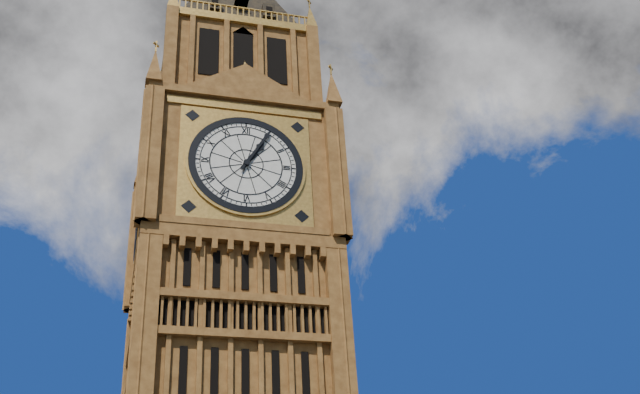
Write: 1,05
